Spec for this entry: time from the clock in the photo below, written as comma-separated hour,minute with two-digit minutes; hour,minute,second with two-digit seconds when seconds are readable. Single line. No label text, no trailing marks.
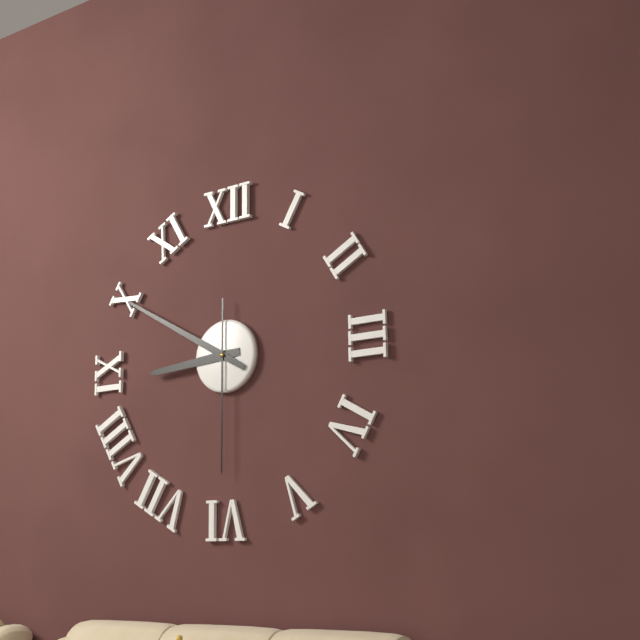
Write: 8,50,30
